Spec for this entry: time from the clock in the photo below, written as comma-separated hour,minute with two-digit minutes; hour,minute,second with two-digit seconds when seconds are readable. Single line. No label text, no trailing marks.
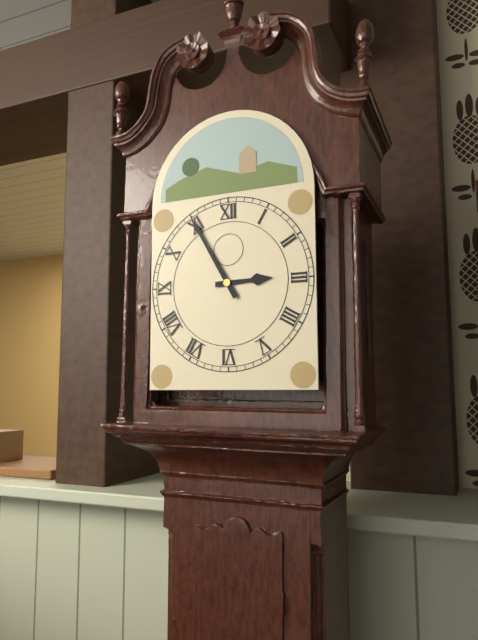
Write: 2,55
